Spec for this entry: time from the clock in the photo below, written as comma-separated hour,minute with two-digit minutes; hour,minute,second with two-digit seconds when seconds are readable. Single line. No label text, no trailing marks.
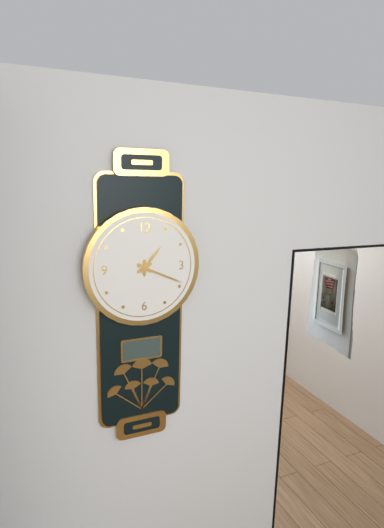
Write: 1,19
